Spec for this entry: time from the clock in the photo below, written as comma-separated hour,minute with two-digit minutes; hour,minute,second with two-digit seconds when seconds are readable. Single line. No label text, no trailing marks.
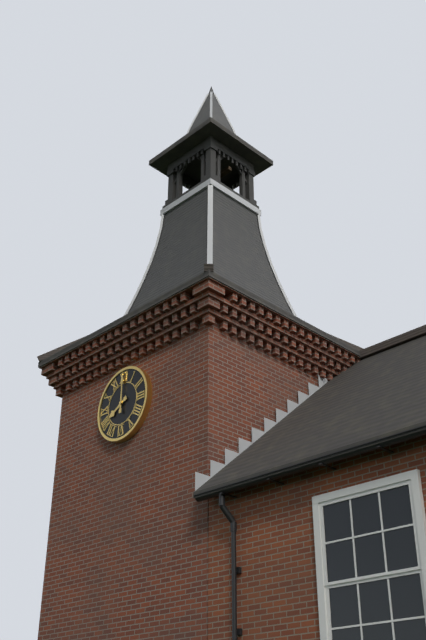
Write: 8,00
